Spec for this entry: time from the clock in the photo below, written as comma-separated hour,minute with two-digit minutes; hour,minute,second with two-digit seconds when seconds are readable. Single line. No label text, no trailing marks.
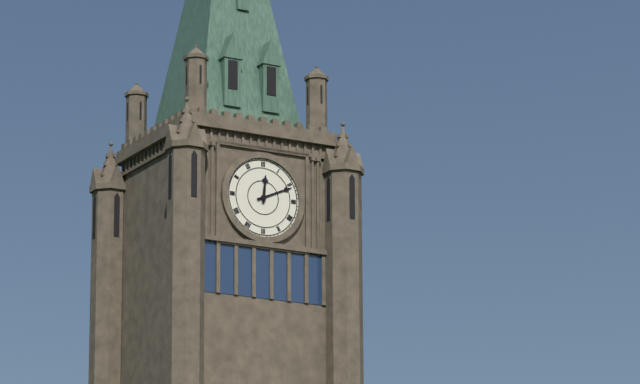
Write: 12,11
